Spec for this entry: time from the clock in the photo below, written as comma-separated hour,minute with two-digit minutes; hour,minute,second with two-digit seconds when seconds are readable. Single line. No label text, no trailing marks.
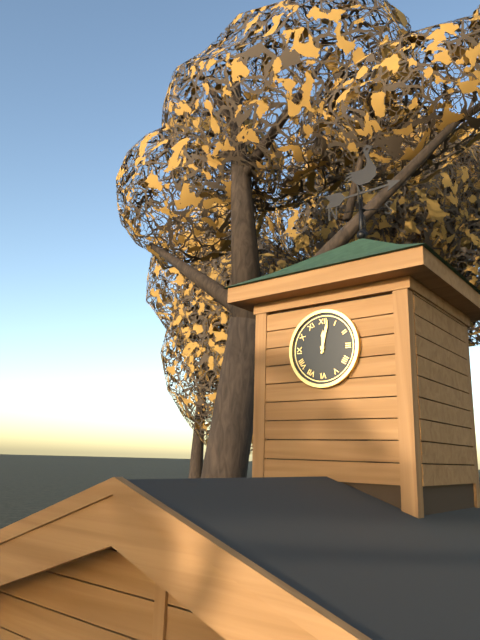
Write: 12,02
